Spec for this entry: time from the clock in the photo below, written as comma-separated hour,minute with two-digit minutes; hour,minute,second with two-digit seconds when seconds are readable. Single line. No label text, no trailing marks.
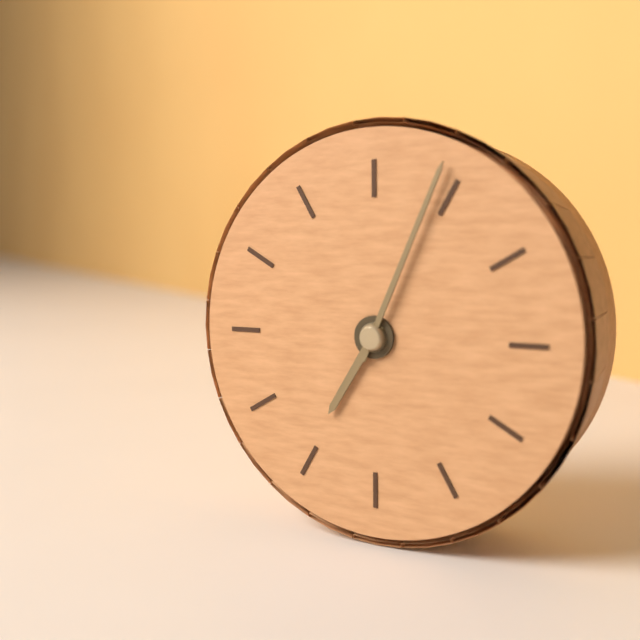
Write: 7,04
